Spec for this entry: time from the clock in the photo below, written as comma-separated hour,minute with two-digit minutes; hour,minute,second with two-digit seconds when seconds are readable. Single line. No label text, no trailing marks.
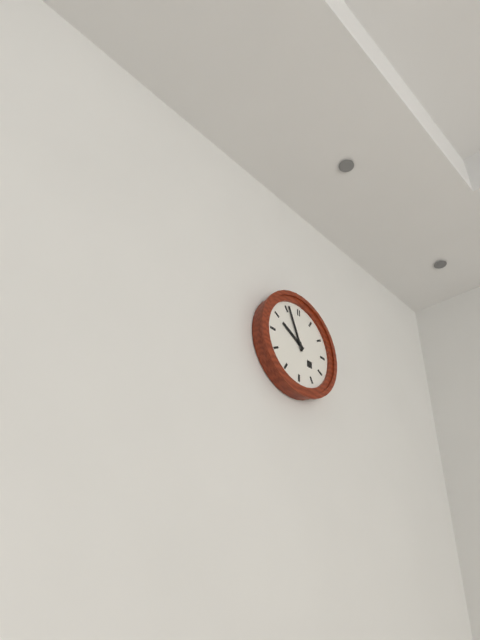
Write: 9,56
